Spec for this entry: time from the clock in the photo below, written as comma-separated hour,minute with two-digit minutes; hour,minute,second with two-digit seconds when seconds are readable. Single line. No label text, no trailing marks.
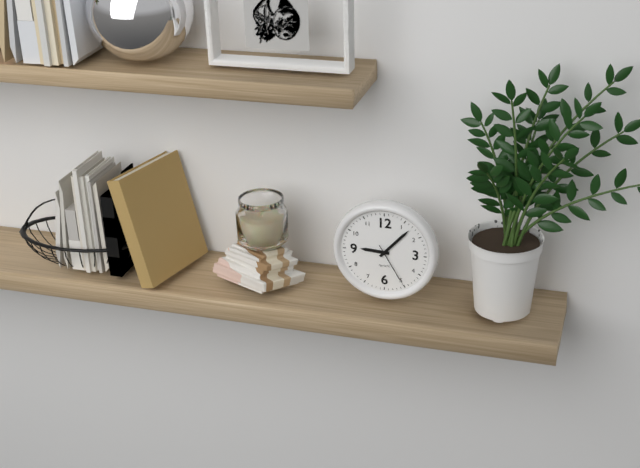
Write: 9,07,25
